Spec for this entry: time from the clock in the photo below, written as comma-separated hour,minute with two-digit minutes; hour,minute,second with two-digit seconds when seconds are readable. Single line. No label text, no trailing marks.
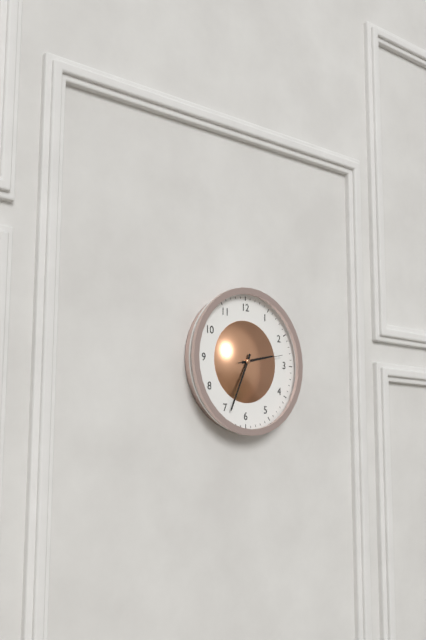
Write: 2,34,13
